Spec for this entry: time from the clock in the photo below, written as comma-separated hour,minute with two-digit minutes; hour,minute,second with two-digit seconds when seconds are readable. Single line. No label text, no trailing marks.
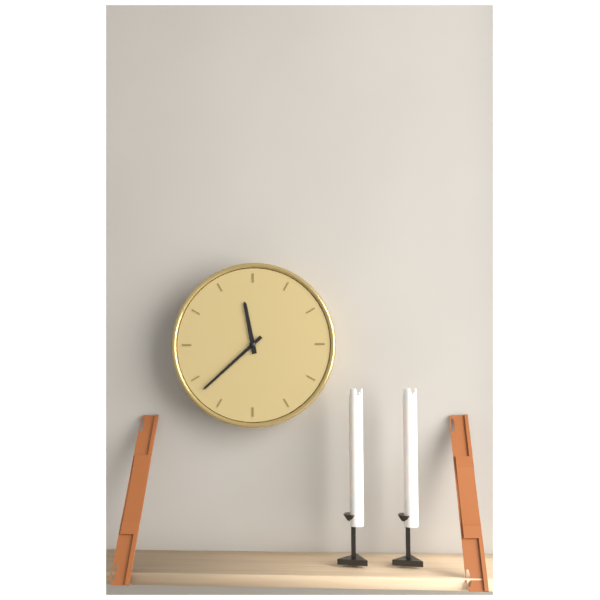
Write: 11,38
